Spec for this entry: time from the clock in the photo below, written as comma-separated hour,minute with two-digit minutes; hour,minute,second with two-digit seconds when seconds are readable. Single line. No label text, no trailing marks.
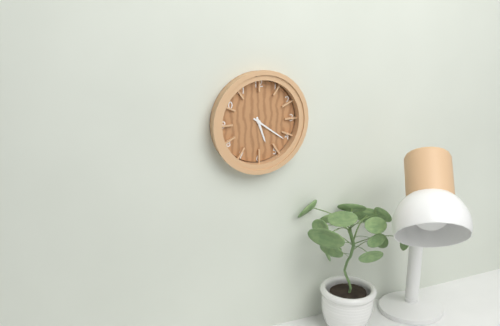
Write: 5,21
